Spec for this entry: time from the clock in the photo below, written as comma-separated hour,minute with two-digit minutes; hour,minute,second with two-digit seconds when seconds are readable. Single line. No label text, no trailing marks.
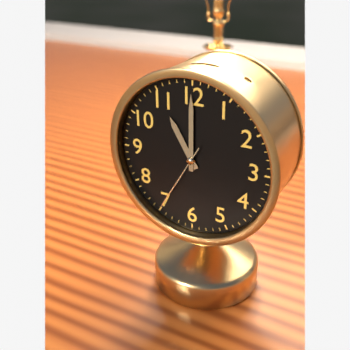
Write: 11,00,35
